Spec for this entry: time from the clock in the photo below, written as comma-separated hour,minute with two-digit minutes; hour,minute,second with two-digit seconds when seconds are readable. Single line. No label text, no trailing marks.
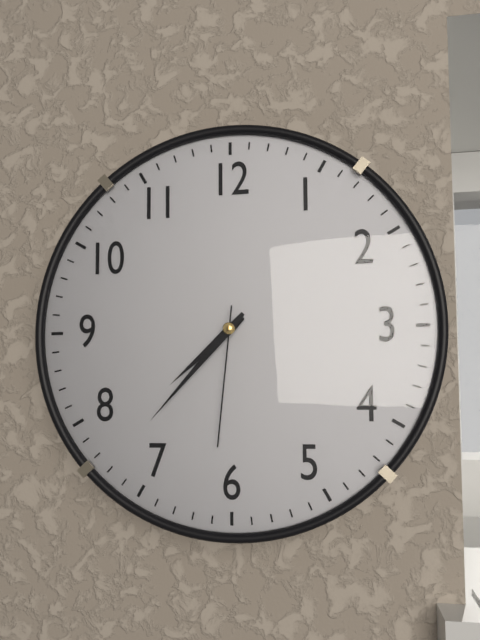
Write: 7,37,31
